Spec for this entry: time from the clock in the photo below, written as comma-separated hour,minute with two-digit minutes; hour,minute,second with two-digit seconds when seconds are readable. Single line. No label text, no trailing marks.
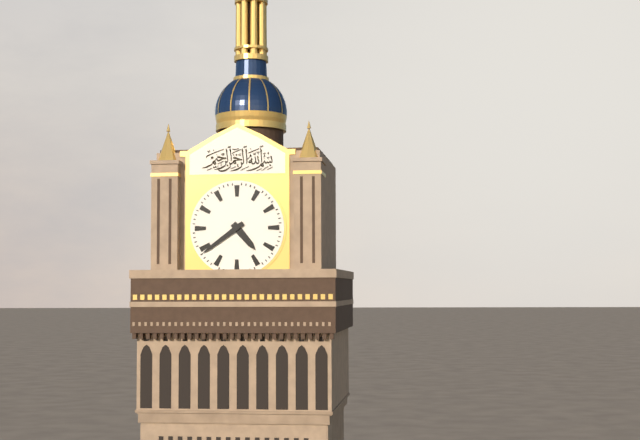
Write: 4,39
